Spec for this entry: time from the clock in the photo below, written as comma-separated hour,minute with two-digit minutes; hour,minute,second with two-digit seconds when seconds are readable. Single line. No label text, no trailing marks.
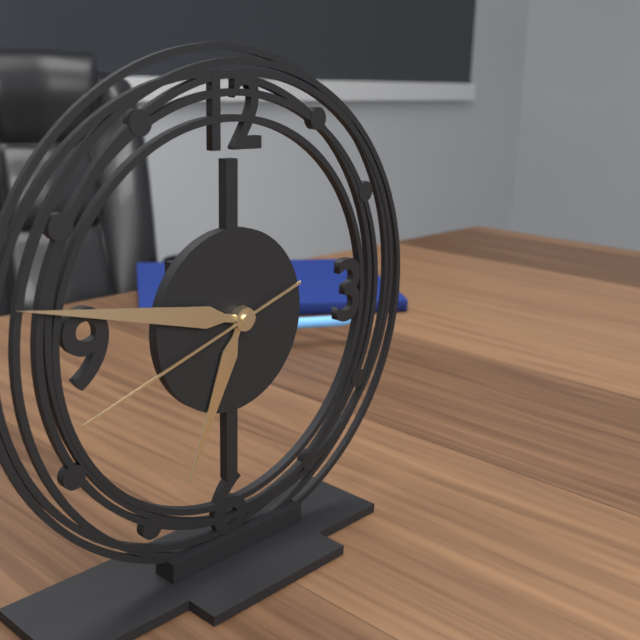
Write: 6,47,42
